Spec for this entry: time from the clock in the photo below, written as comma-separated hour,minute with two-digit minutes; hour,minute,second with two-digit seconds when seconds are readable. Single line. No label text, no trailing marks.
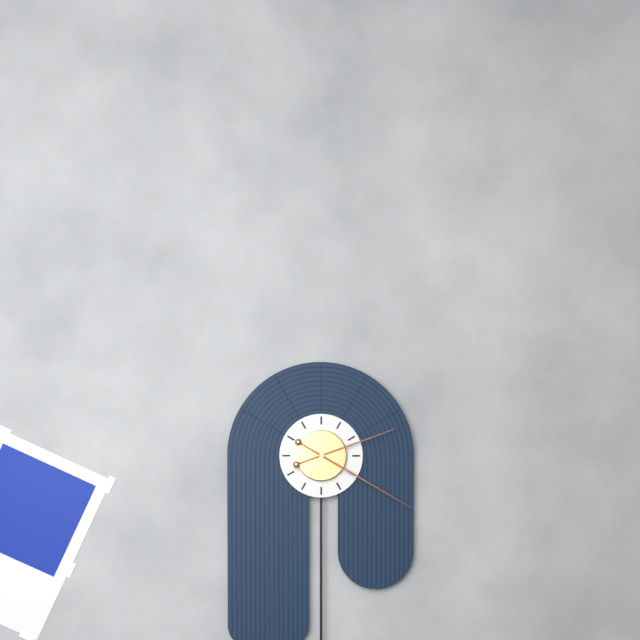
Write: 2,20
